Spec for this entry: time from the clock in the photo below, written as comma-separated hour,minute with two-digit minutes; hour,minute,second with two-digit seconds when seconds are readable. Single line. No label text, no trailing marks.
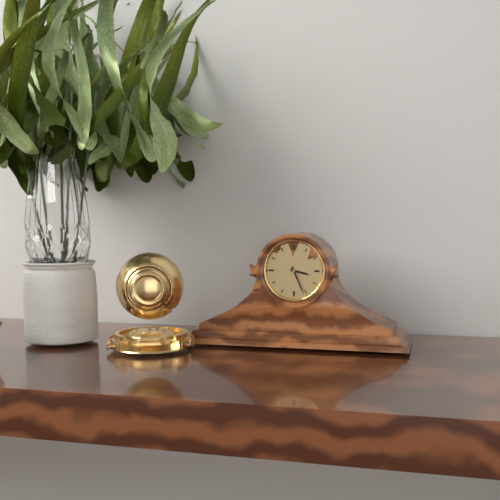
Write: 3,26
